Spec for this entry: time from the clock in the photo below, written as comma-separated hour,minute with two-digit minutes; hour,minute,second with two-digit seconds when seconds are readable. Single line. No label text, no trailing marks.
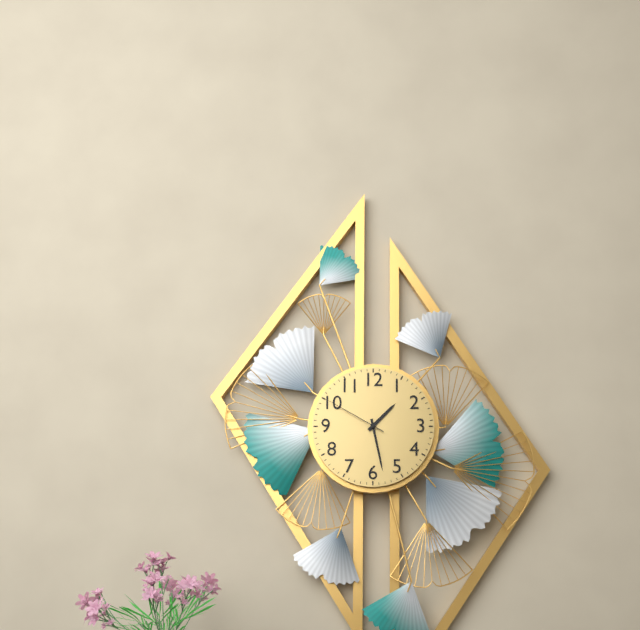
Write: 1,28,50
